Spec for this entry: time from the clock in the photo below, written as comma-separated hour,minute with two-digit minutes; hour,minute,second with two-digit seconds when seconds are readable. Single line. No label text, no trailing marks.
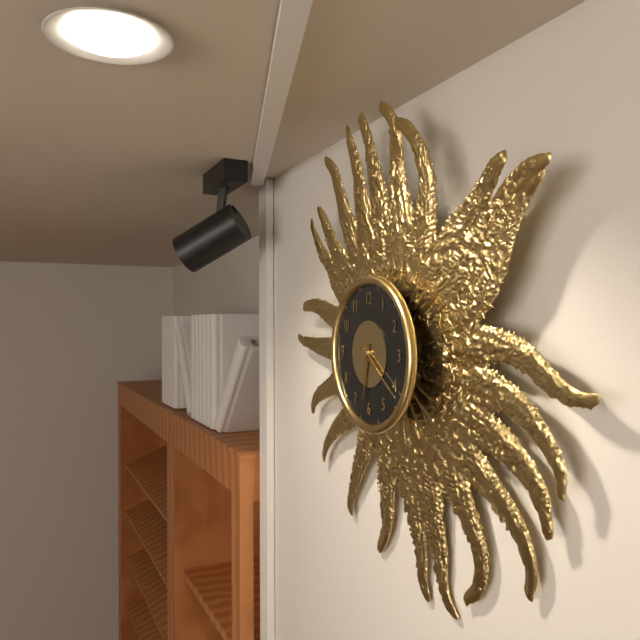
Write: 6,21
